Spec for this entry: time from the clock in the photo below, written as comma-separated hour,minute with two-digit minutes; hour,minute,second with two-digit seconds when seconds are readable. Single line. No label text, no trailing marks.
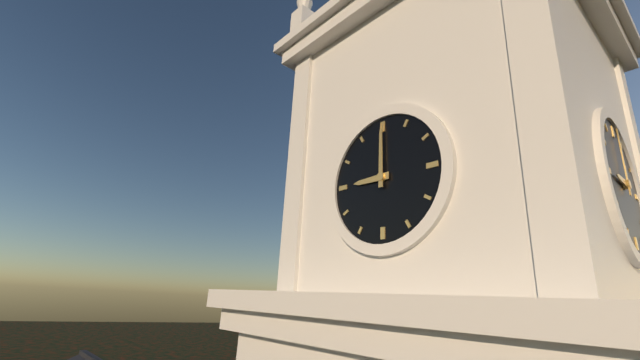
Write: 9,00
